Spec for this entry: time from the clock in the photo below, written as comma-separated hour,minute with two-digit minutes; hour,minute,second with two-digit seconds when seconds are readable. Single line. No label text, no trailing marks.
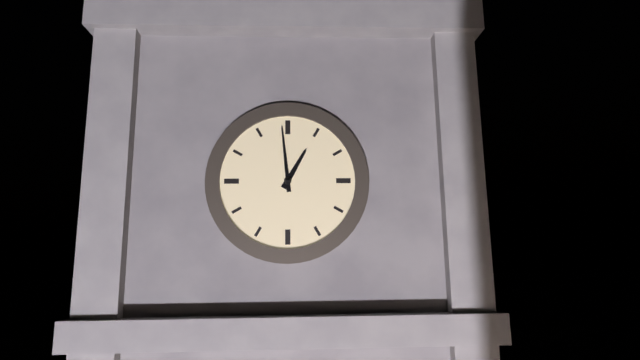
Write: 12,59
